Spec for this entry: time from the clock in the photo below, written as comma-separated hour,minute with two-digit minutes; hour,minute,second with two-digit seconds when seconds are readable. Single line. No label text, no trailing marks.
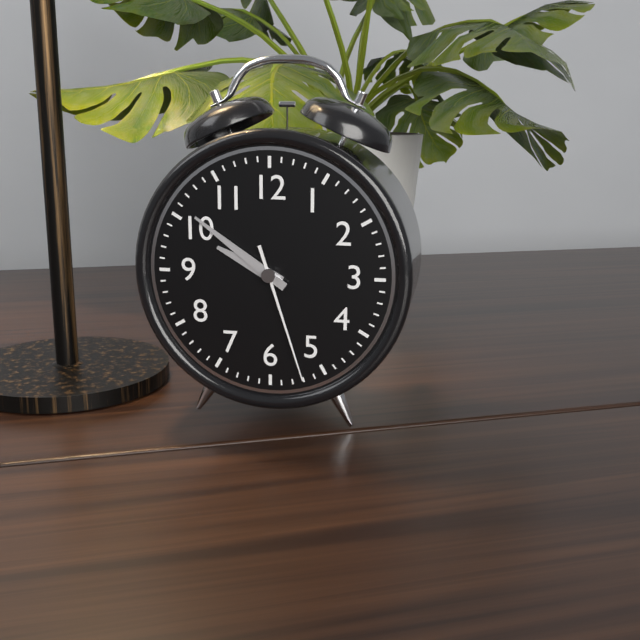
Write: 9,51,27
